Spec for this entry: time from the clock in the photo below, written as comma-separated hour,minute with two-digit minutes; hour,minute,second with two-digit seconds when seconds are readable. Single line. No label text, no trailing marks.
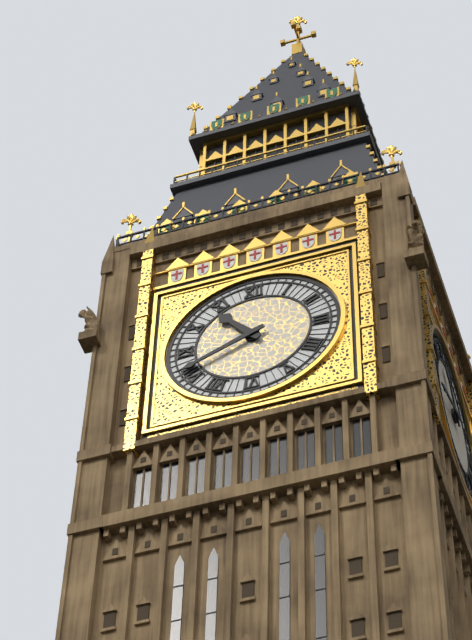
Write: 10,41
